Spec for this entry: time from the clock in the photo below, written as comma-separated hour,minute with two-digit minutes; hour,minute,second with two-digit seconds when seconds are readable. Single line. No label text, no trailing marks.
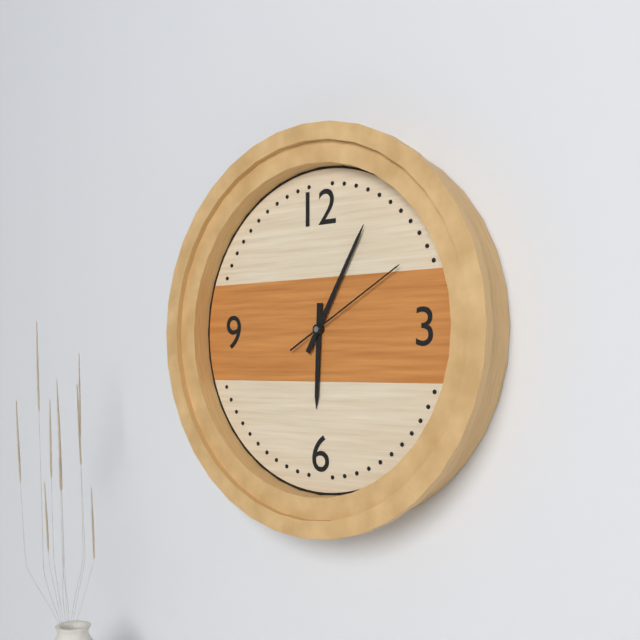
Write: 6,05,10
